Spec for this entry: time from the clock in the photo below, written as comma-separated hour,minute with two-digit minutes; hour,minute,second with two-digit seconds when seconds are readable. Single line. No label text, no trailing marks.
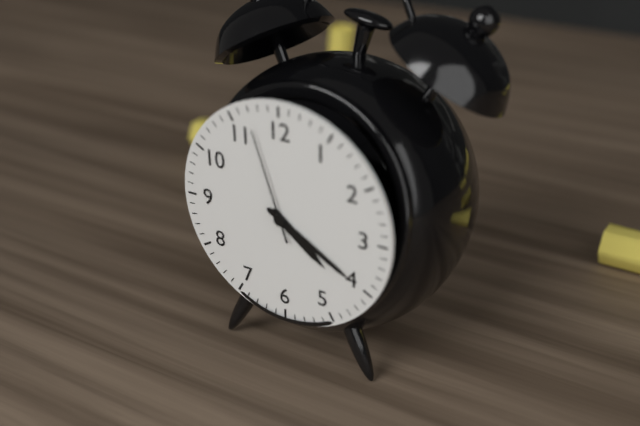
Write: 4,20,57
